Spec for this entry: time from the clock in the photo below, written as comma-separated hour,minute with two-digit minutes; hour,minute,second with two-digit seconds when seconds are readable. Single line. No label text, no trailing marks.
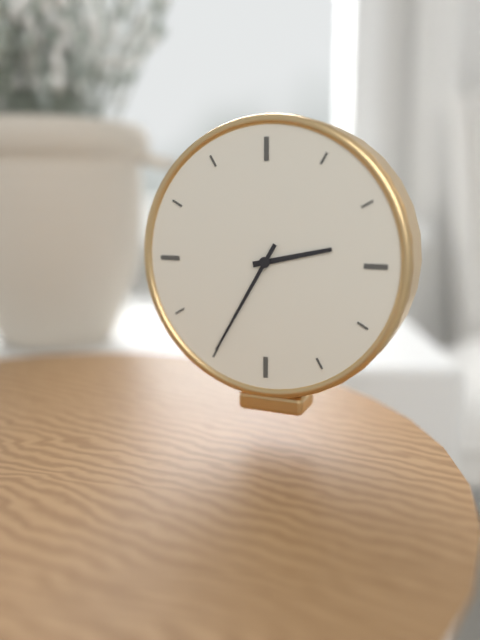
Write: 2,35
